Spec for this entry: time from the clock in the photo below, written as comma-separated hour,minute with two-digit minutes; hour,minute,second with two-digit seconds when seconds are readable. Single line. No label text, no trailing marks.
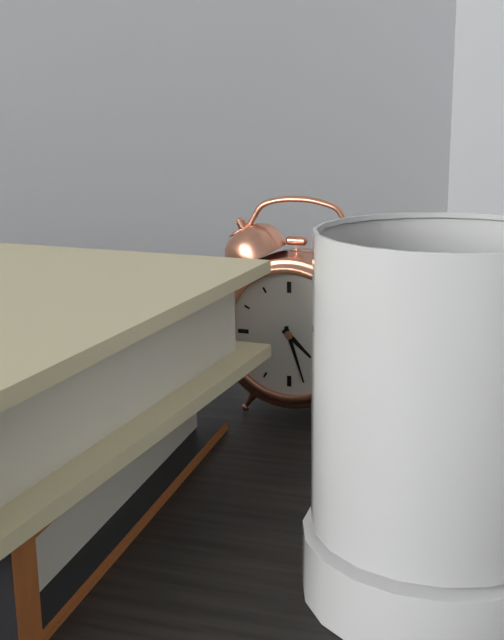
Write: 4,27
